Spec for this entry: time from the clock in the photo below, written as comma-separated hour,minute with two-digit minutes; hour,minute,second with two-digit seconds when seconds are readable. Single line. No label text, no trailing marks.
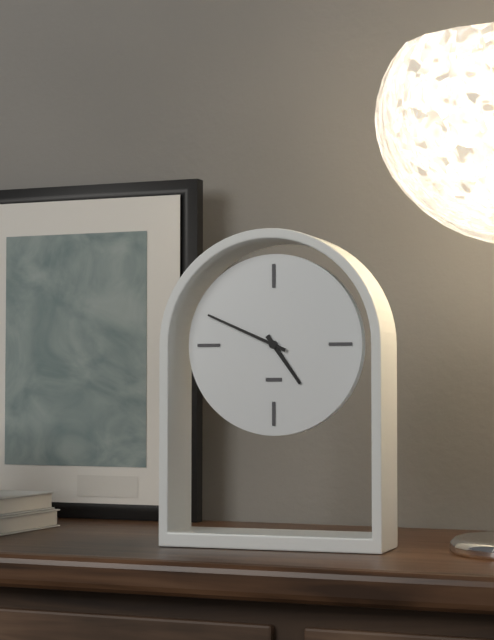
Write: 4,49
